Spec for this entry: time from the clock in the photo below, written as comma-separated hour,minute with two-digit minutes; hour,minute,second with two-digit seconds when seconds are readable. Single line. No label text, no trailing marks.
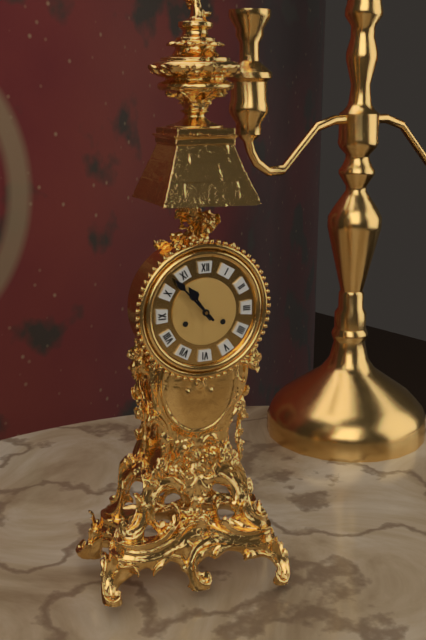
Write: 10,53
